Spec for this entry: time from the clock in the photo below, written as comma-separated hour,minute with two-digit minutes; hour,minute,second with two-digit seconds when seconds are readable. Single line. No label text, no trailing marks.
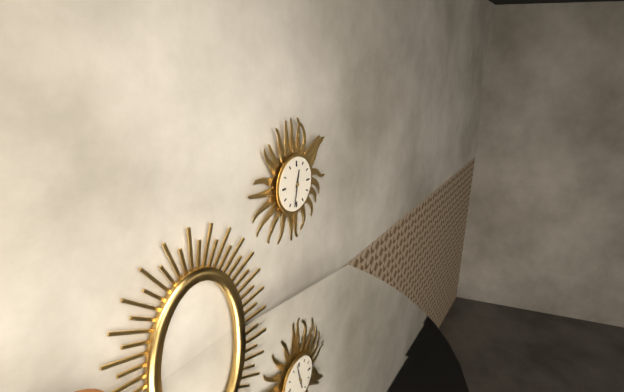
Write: 12,32
